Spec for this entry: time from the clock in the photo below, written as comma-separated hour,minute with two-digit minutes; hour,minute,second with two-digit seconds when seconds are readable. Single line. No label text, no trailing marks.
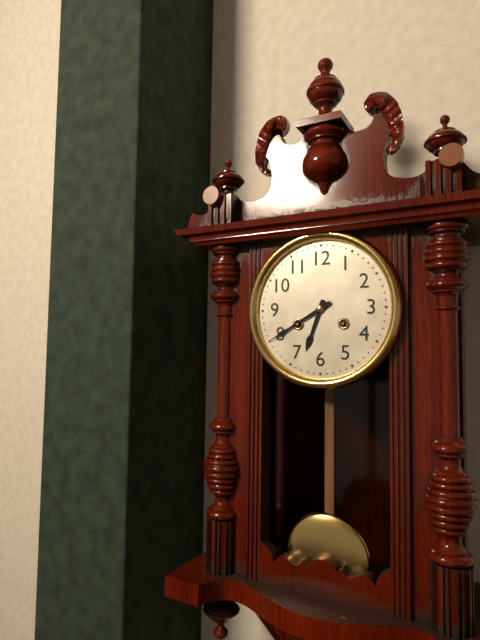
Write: 6,40
